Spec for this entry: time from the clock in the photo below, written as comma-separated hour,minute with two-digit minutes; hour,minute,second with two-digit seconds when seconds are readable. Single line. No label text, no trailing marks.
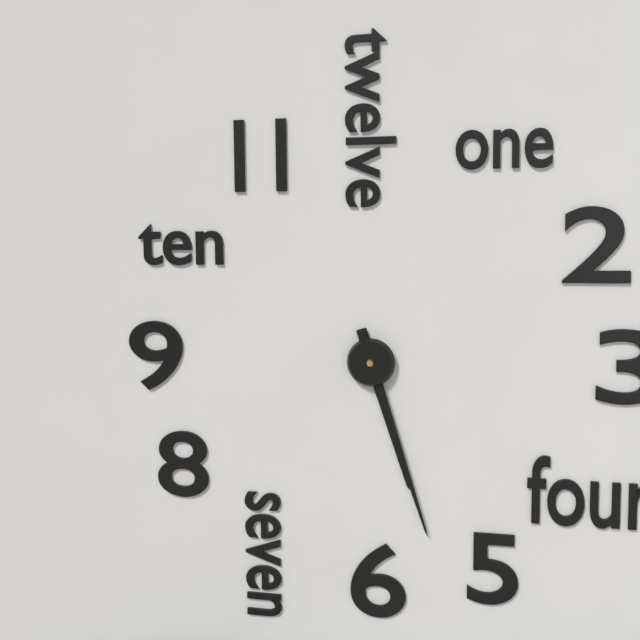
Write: 5,27
